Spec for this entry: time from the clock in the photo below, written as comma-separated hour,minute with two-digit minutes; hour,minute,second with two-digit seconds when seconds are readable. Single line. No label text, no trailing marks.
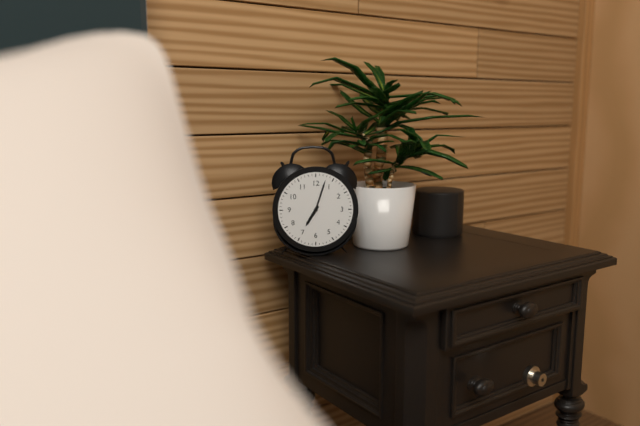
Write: 7,03
